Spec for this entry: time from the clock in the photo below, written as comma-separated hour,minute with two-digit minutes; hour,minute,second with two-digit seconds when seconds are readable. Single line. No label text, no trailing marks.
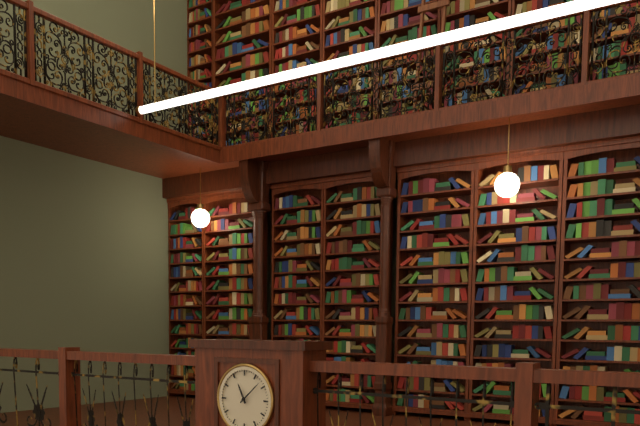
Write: 11,08
